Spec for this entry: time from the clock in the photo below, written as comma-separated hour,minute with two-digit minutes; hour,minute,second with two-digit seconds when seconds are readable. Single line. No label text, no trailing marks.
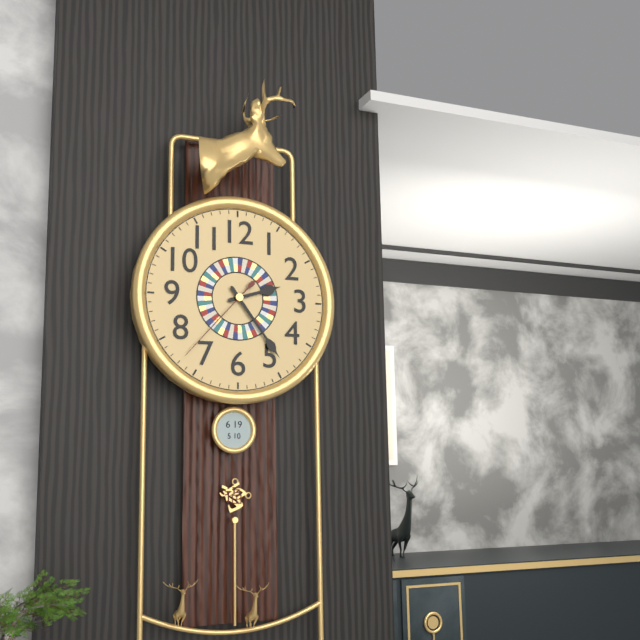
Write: 2,24,37
